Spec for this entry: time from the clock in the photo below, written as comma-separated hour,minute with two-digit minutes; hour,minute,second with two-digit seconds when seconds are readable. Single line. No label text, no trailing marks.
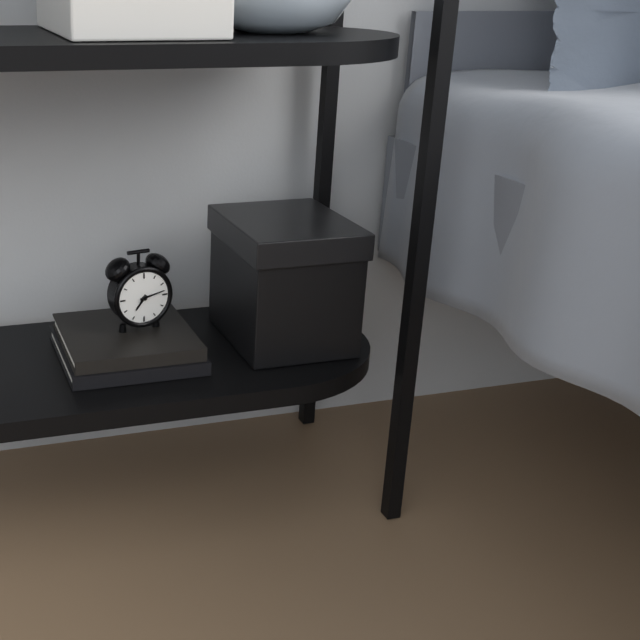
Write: 7,13
